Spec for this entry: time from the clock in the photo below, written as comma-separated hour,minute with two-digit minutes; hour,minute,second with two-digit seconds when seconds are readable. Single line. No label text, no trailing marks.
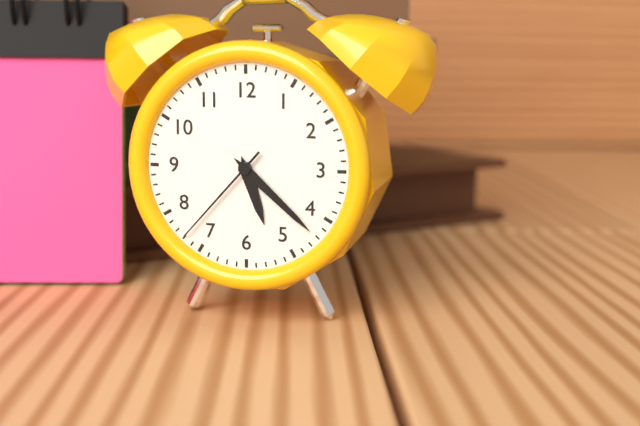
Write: 5,22,37
